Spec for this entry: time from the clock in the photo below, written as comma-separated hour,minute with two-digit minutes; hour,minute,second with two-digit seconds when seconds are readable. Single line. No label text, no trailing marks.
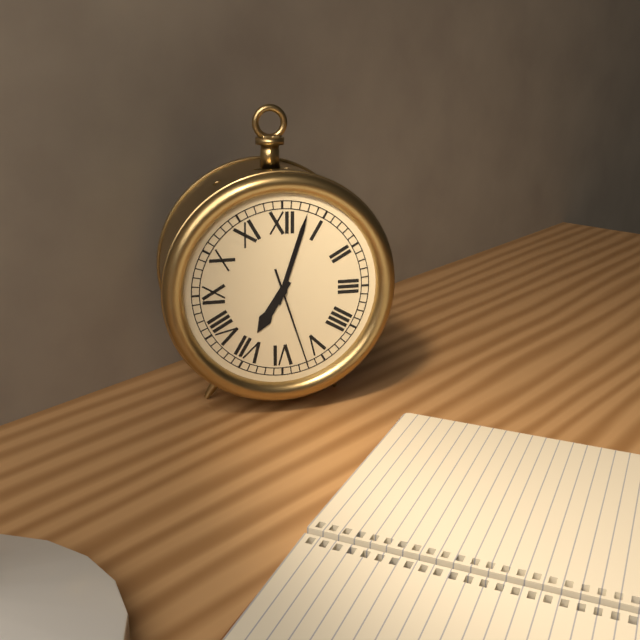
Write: 7,03,27
